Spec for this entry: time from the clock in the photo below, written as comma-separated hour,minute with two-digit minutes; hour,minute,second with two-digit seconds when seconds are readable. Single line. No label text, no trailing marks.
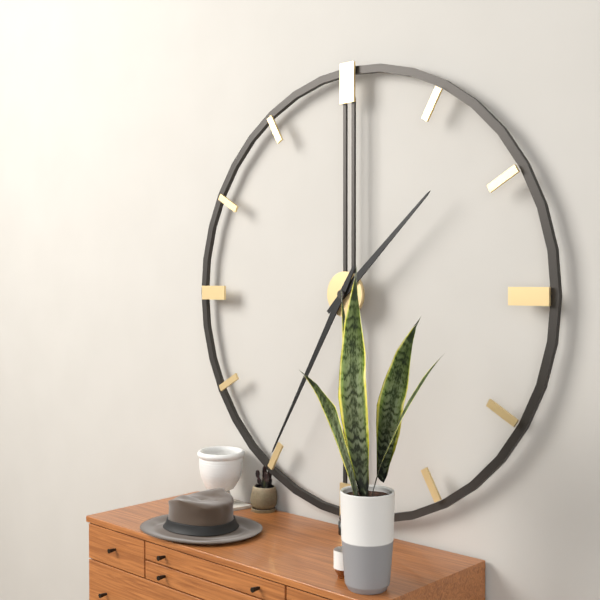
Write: 1,35
